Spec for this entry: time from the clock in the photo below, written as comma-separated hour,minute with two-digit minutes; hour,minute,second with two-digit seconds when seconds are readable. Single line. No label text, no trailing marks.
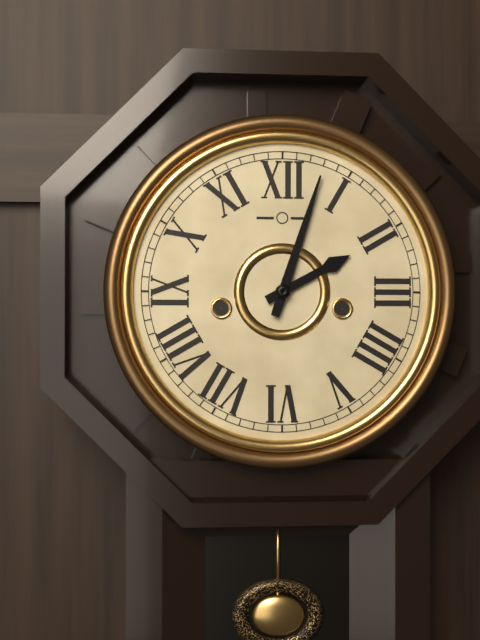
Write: 2,03
